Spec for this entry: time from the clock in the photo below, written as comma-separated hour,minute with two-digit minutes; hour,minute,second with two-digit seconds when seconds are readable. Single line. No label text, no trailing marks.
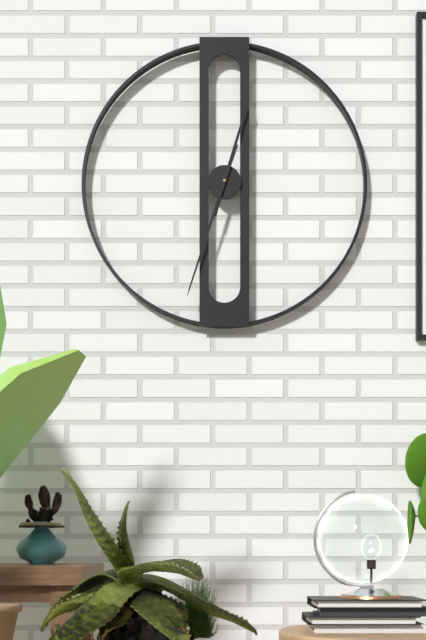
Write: 12,33
